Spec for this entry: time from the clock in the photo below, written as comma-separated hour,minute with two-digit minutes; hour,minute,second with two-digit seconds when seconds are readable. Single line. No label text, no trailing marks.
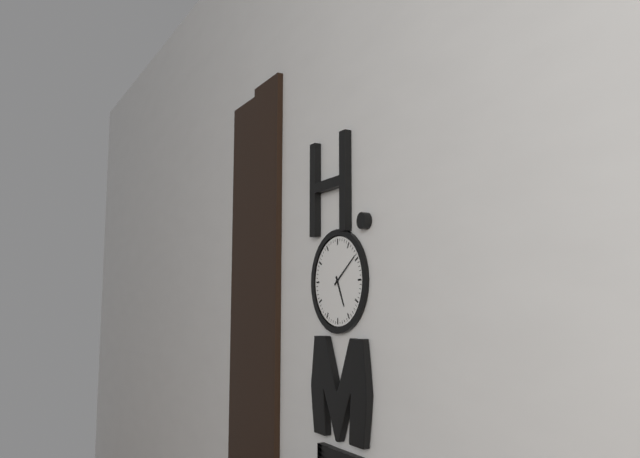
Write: 5,09
